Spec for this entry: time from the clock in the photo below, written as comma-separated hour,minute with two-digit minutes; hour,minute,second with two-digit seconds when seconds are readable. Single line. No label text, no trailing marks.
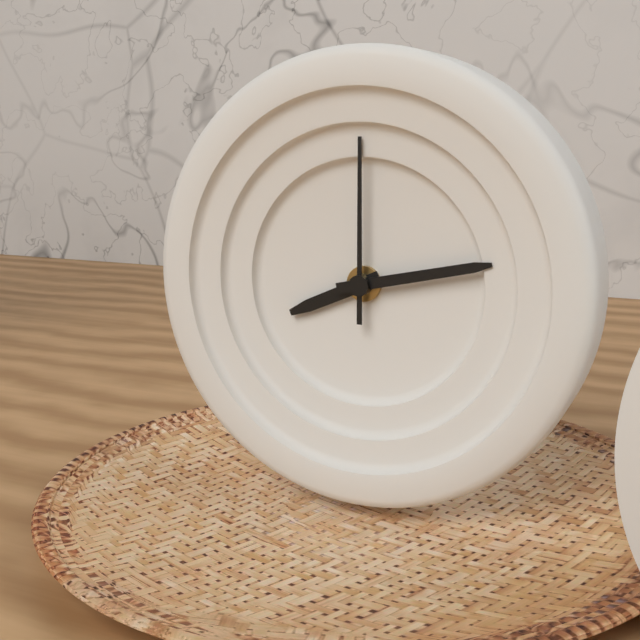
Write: 8,13,00
